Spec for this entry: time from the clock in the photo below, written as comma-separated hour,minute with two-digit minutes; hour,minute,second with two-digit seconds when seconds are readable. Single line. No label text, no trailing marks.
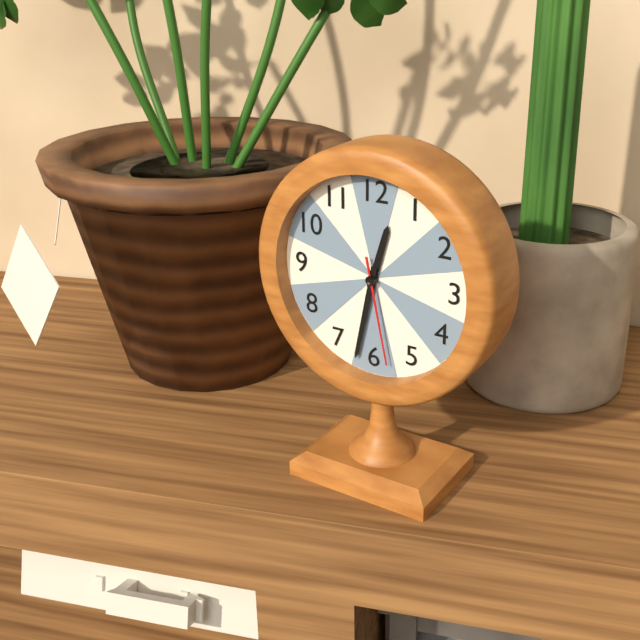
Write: 12,32,28
